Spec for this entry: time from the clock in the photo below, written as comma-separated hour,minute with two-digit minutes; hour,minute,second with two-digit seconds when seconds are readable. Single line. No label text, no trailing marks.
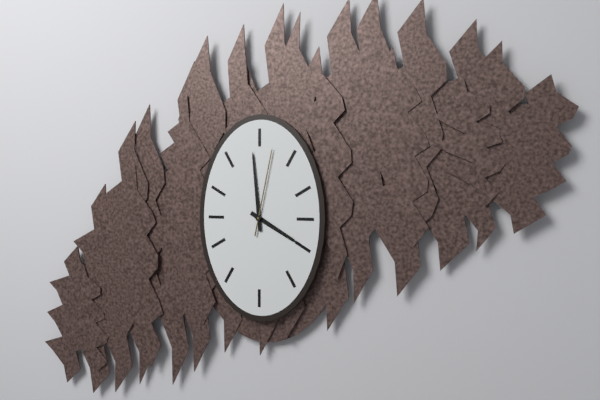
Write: 3,59,02
